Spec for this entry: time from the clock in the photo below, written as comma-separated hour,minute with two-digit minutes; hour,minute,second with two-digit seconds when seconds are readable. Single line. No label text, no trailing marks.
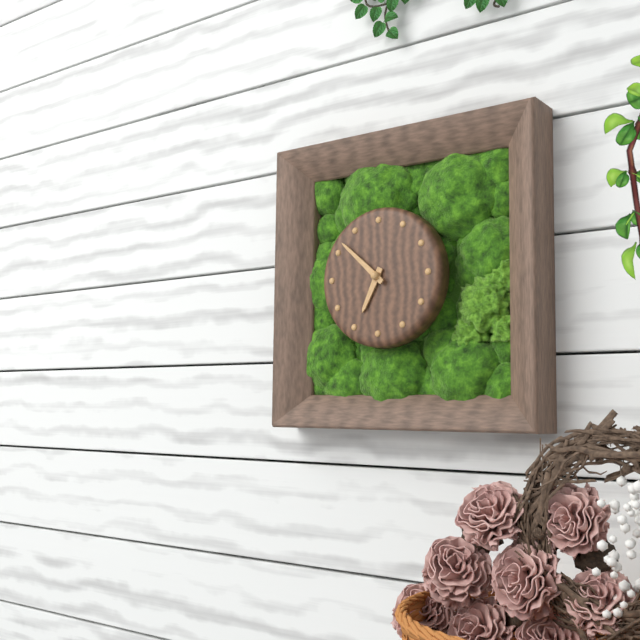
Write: 6,52
